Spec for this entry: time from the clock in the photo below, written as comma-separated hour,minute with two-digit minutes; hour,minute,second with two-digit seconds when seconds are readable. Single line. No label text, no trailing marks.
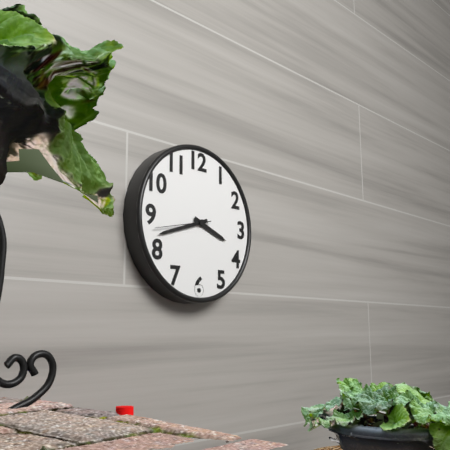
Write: 3,42,43
